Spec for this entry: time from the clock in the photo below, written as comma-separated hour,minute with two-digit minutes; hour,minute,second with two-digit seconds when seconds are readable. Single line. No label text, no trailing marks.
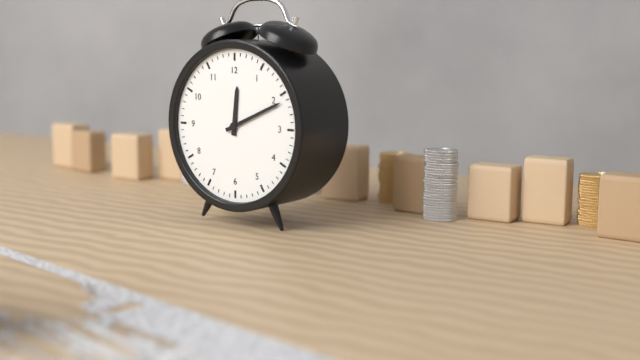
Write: 12,11
